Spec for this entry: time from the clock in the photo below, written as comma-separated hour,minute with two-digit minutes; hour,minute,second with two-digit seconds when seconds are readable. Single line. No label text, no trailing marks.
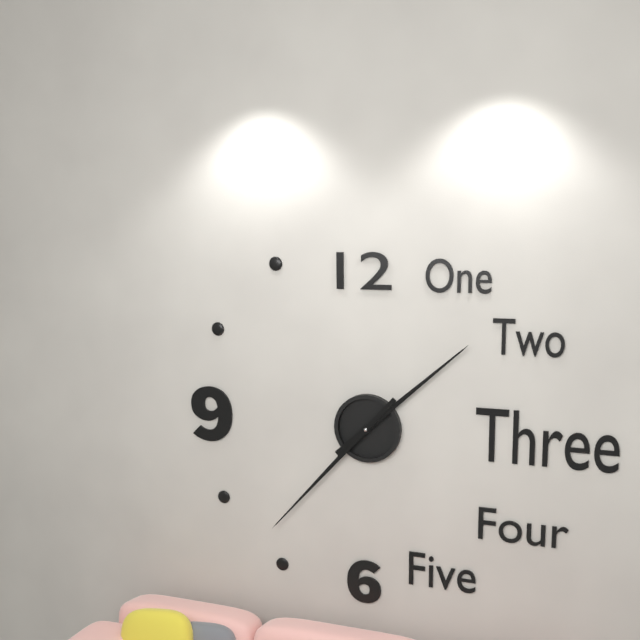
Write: 1,37
